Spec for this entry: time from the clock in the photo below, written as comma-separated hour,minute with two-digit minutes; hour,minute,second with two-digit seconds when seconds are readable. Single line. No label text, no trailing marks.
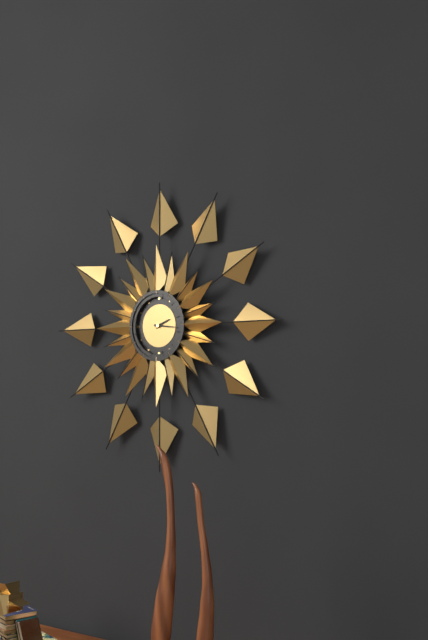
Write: 2,16
